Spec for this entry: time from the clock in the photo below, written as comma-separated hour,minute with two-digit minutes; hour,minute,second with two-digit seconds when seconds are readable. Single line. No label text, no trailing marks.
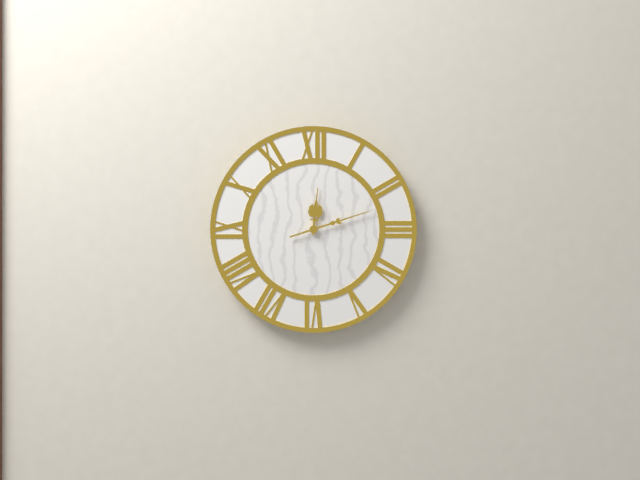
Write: 12,12
